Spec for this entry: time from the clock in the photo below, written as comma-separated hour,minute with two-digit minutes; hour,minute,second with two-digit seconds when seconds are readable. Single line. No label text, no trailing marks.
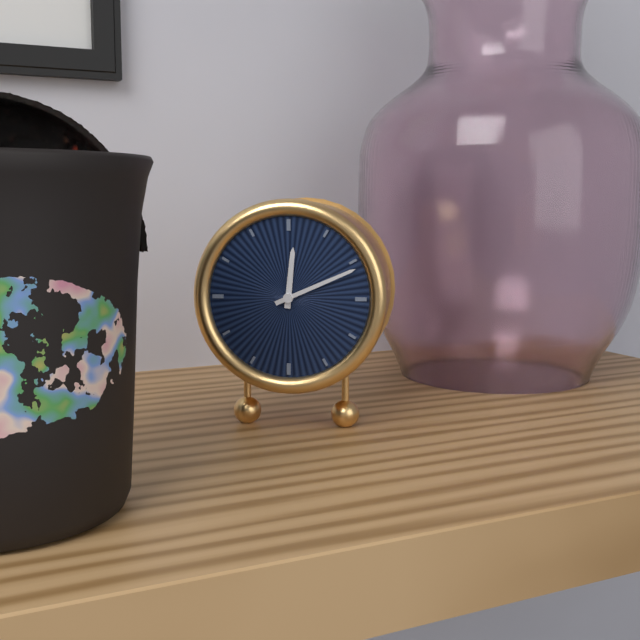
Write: 12,11
